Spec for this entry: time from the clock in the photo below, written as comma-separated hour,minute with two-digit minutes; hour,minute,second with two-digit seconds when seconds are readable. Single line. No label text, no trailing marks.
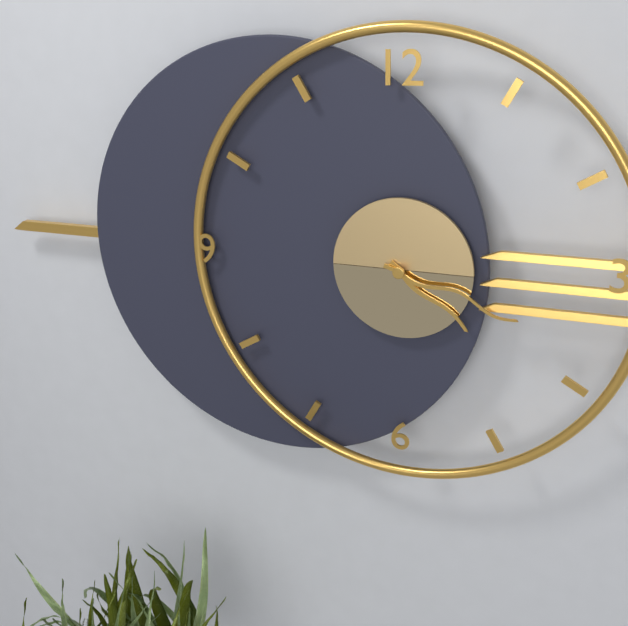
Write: 4,18
